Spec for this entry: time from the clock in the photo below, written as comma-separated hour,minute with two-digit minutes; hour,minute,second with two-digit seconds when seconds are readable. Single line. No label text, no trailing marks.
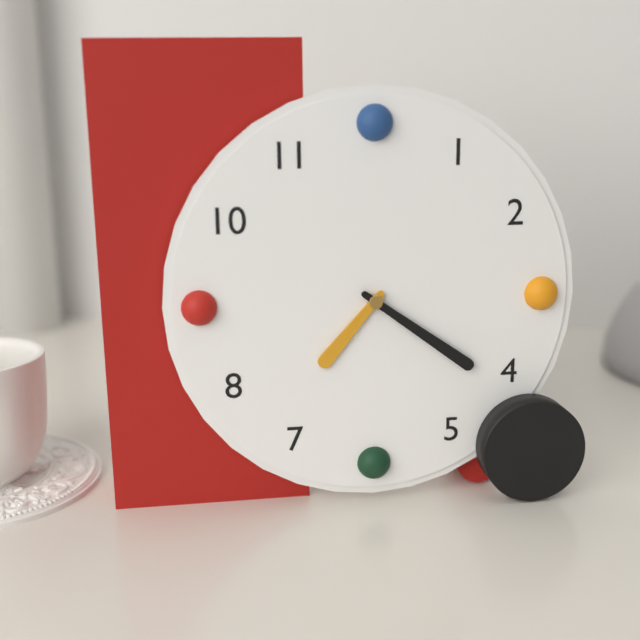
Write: 7,21
